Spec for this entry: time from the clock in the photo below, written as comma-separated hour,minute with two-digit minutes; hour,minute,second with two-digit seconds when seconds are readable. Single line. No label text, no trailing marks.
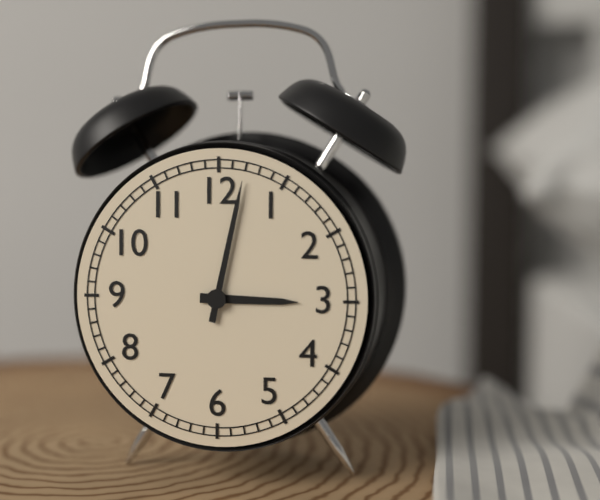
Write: 3,02
